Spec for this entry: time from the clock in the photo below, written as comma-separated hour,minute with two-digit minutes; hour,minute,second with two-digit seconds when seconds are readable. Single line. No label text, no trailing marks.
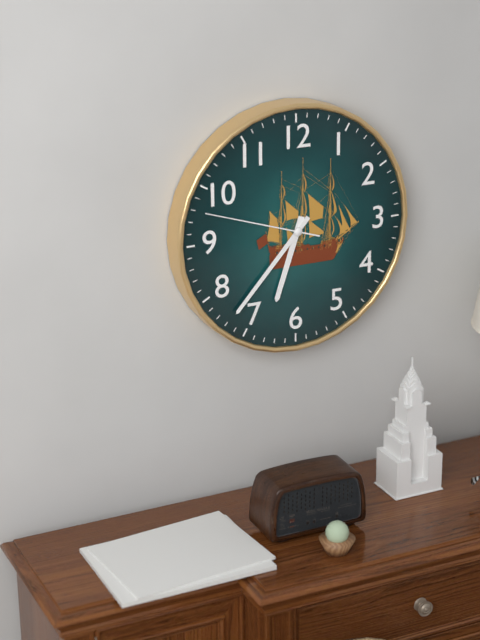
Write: 6,37,48
